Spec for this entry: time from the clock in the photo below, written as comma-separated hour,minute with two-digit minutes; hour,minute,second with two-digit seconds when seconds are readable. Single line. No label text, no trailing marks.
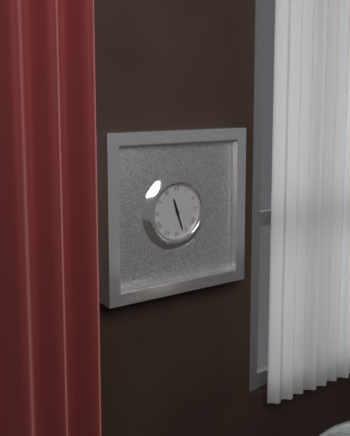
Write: 11,27
